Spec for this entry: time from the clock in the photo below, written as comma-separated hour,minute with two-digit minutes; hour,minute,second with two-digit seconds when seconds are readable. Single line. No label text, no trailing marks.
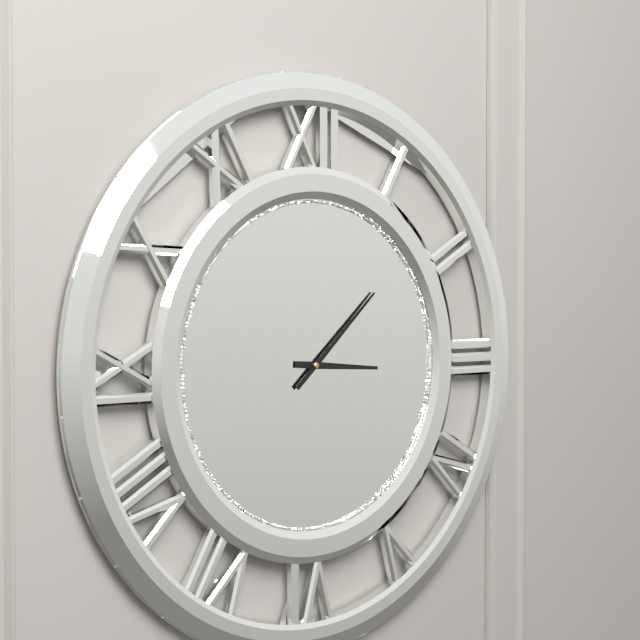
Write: 3,08
